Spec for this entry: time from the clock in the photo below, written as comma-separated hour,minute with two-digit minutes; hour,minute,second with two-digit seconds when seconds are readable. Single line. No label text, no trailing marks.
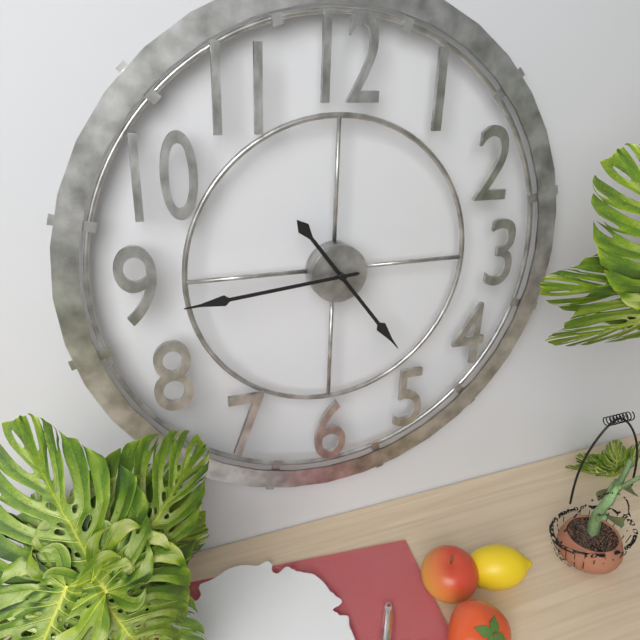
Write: 4,44
